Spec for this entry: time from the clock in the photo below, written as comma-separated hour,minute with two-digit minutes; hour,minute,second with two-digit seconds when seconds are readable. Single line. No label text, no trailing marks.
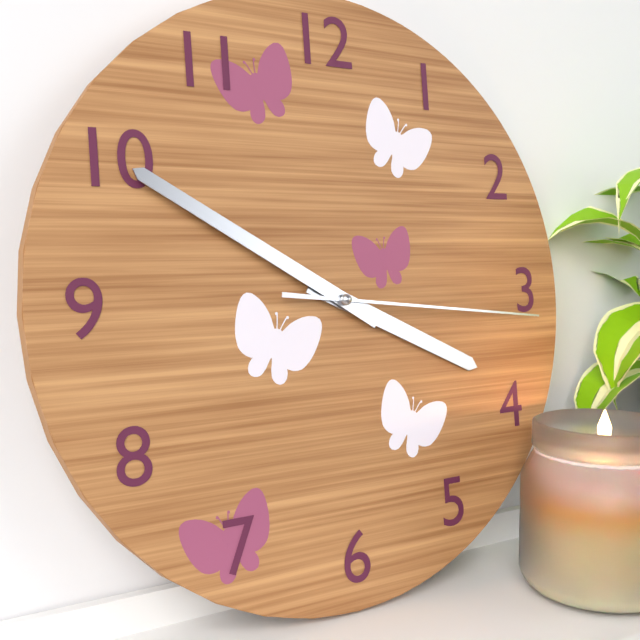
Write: 3,50,16
